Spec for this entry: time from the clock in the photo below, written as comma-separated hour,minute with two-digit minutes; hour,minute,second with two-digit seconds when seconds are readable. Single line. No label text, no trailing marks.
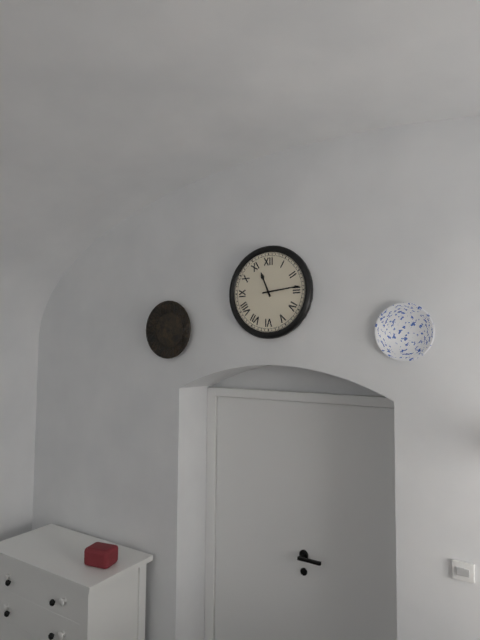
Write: 11,14
